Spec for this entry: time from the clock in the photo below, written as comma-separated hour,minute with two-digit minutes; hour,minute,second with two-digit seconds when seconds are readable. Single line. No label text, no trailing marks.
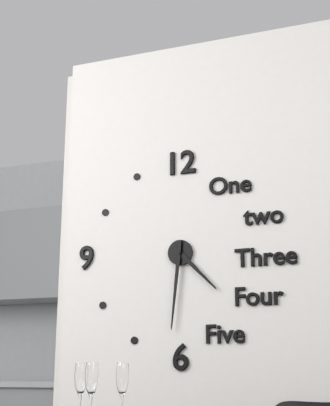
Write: 4,31
